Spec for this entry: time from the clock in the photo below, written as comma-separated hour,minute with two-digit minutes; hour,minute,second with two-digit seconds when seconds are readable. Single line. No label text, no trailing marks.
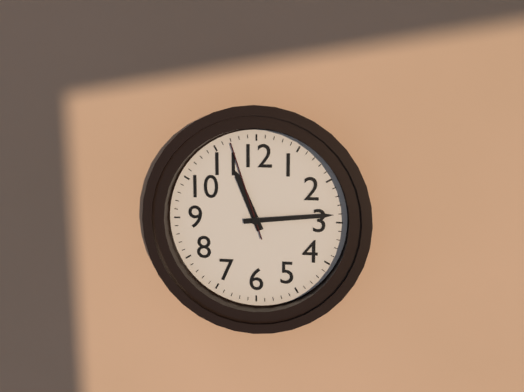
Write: 11,14,57
